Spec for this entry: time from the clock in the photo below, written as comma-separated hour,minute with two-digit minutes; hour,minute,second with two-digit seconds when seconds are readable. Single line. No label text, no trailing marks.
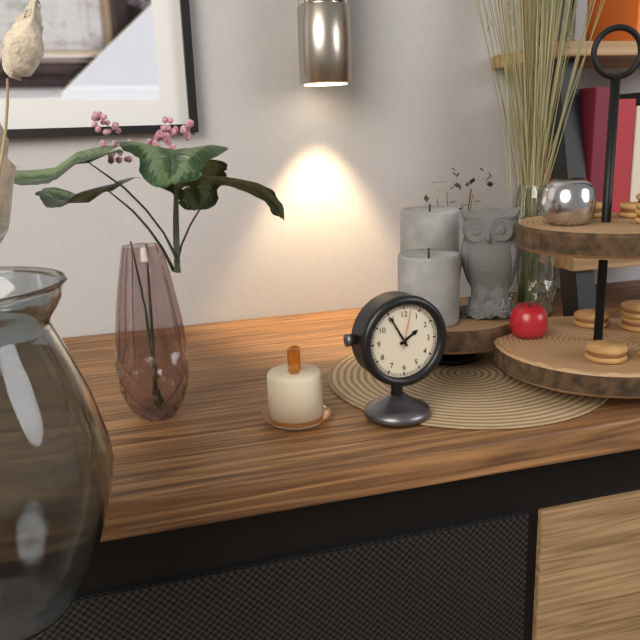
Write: 1,55
